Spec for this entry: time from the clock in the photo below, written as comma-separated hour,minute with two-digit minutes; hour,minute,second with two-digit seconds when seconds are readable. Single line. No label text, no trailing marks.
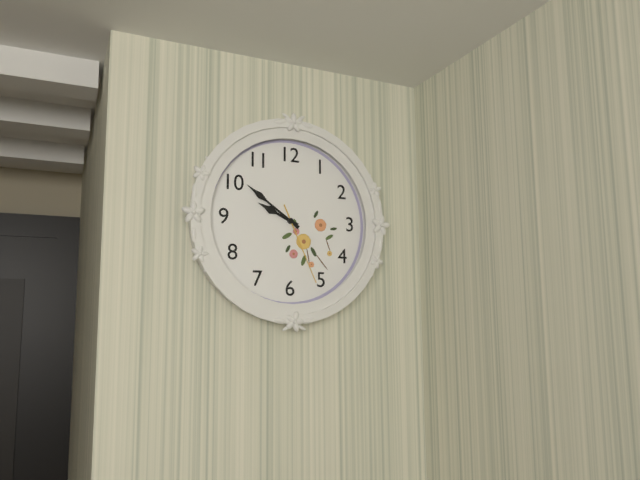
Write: 9,51,26
